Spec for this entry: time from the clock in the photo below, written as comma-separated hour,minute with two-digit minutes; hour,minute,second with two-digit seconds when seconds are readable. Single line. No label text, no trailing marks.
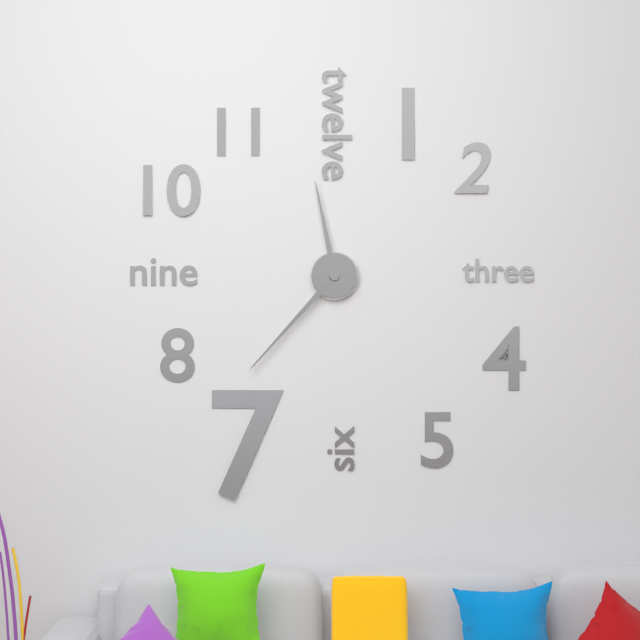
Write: 11,37
